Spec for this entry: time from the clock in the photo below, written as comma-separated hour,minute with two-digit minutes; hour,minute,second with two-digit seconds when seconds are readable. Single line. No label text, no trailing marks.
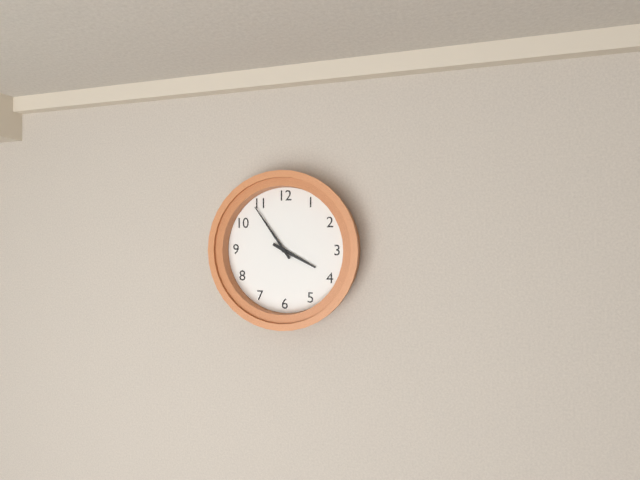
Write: 3,54
